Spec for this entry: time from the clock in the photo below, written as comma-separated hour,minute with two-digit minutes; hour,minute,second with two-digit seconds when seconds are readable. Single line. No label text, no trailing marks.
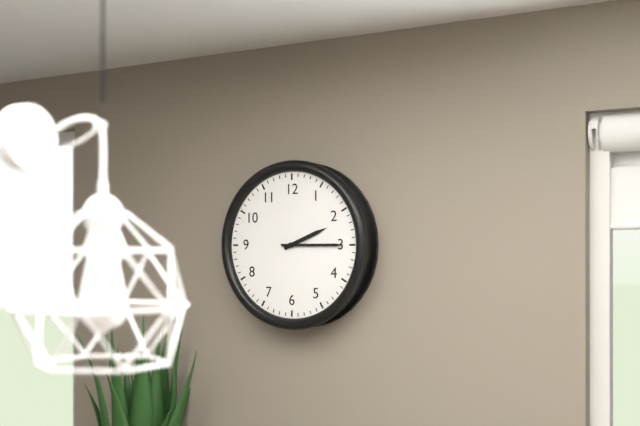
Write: 2,15
